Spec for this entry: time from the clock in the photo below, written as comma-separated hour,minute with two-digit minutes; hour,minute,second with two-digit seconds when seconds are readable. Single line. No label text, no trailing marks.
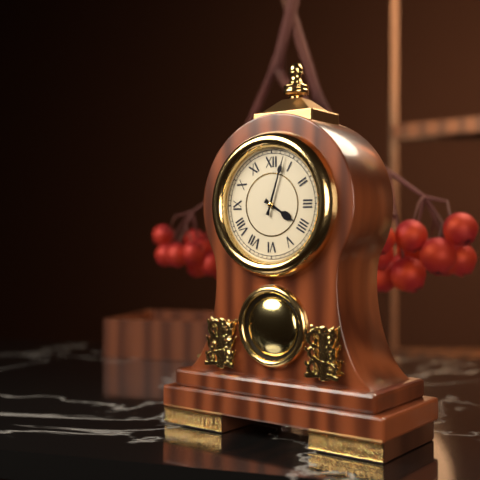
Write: 4,03
